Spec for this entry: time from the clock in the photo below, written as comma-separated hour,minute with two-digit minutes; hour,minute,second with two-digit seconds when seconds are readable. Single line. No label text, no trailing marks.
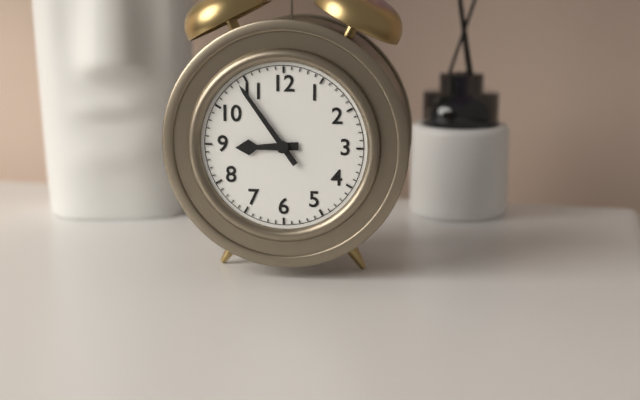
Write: 8,54
